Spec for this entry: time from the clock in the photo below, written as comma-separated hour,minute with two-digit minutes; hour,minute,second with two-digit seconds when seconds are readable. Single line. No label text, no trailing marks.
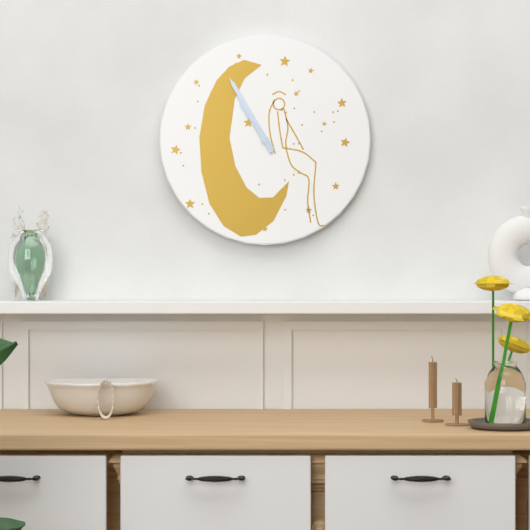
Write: 10,55
